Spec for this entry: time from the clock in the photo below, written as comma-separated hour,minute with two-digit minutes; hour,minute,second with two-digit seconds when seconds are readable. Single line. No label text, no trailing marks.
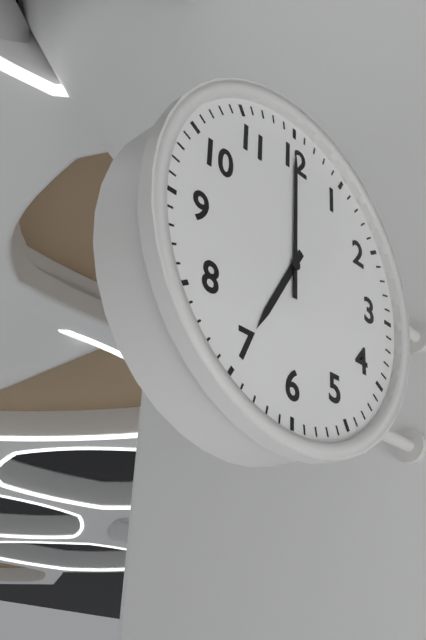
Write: 7,00
